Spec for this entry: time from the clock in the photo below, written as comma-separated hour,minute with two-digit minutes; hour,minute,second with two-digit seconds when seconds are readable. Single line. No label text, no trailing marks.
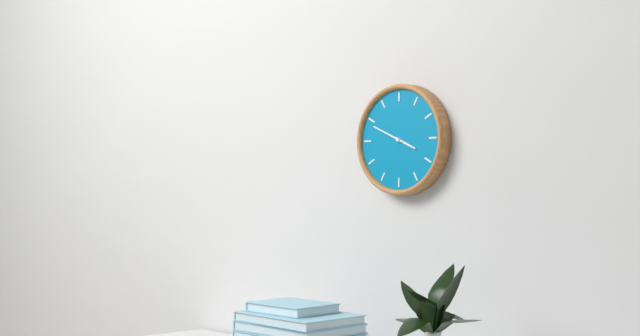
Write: 3,49
